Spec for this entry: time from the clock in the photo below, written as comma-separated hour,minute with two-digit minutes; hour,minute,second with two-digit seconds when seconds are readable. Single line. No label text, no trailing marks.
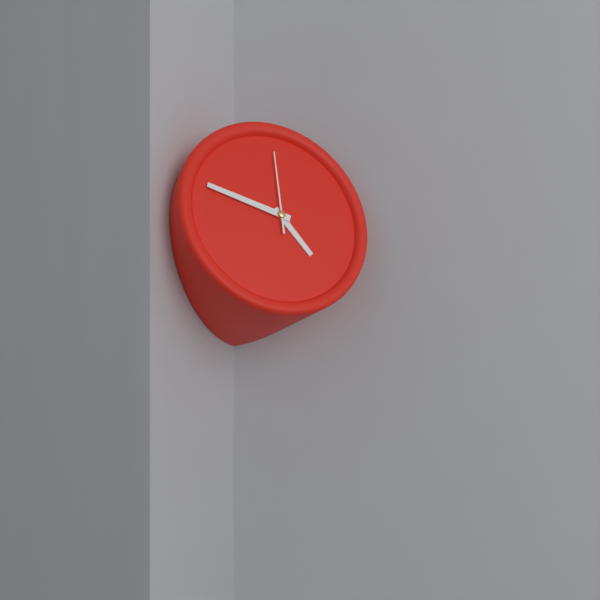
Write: 4,48,00
